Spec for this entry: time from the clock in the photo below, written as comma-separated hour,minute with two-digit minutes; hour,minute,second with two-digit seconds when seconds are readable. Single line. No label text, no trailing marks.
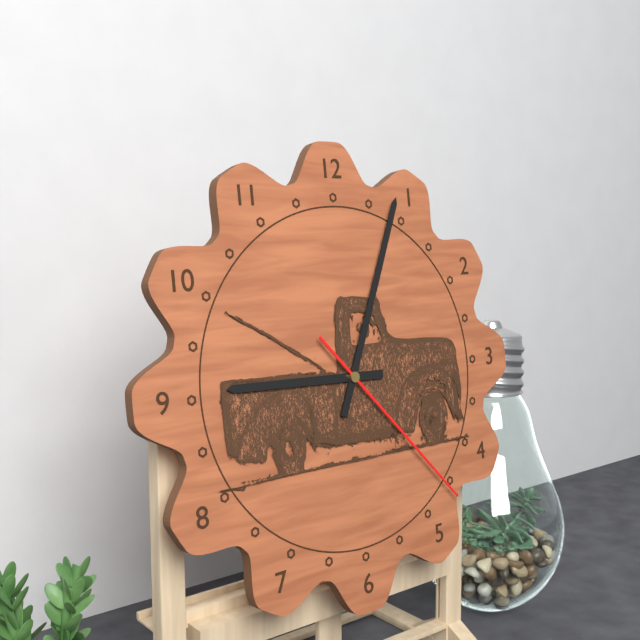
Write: 9,04,23
